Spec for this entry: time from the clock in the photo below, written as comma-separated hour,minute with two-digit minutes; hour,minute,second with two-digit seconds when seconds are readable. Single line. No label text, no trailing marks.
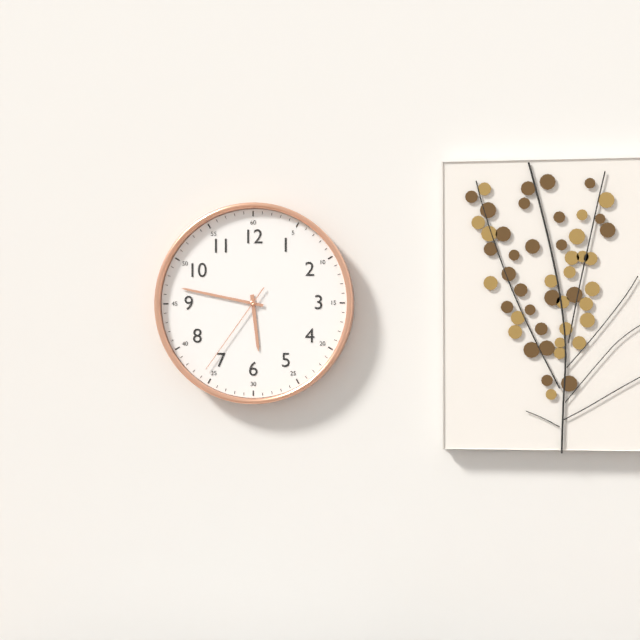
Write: 5,47,36
